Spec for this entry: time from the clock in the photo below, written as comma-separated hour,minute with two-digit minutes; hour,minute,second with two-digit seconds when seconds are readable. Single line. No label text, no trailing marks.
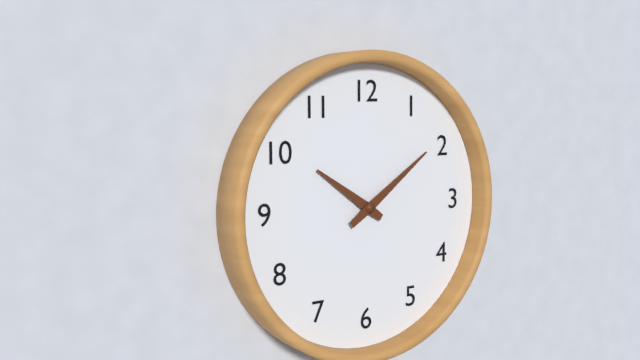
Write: 10,09
